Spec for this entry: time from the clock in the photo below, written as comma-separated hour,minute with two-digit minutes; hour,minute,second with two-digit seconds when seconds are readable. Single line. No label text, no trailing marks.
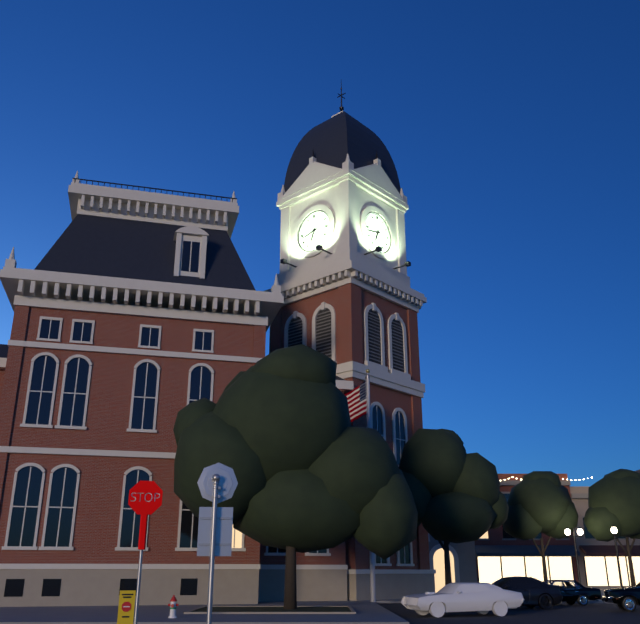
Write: 6,43
